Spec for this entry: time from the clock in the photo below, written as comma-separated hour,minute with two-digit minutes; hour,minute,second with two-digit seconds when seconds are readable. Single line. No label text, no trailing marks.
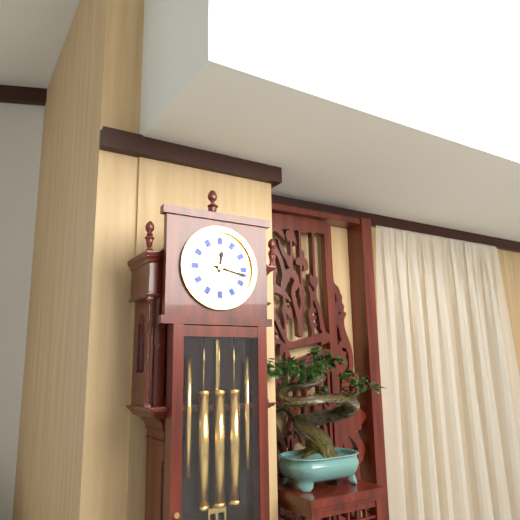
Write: 12,17
